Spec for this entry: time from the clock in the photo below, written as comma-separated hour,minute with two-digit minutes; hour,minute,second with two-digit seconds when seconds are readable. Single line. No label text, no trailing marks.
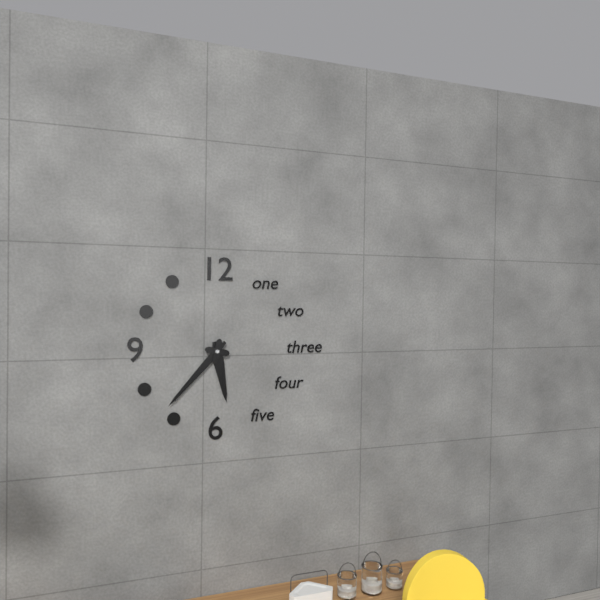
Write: 5,37
